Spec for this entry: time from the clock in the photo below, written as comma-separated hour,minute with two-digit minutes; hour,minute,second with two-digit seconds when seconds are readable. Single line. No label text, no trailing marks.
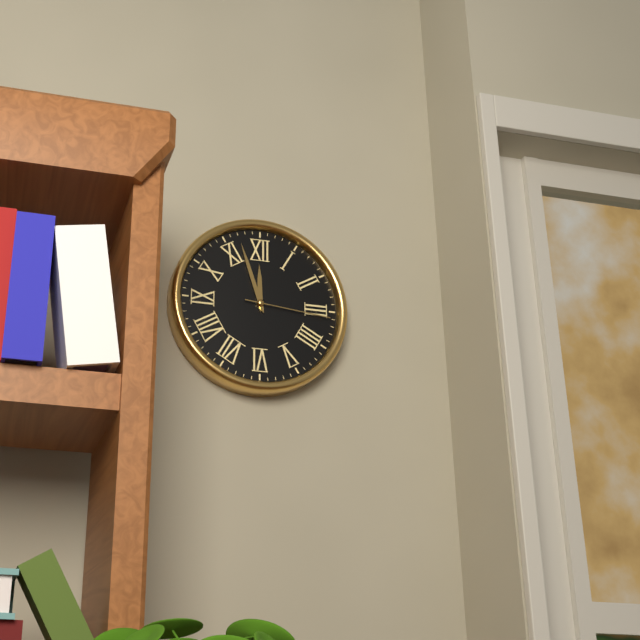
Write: 11,57,16
